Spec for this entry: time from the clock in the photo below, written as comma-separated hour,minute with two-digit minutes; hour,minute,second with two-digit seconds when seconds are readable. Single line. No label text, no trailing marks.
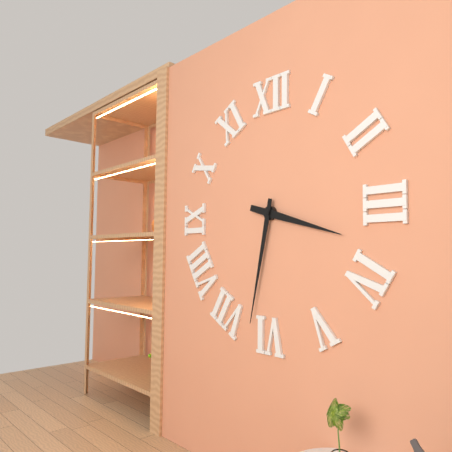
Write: 3,32
